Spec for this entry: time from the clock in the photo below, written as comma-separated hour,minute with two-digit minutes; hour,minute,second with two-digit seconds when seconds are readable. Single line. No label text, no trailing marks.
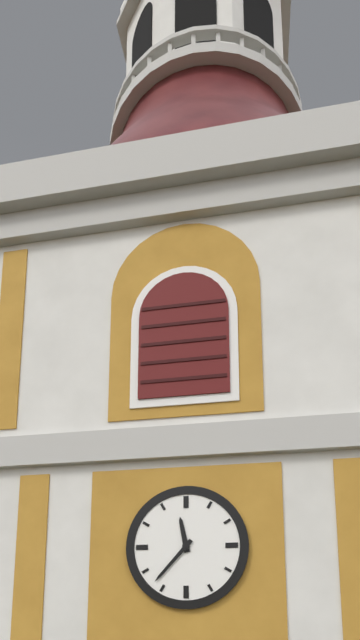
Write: 11,37
